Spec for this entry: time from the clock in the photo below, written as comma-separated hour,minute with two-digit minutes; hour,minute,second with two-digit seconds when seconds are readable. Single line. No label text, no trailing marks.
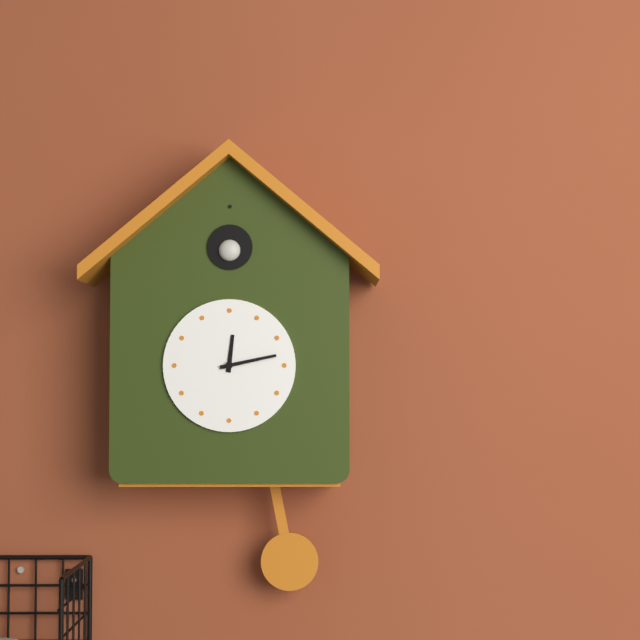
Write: 12,13
